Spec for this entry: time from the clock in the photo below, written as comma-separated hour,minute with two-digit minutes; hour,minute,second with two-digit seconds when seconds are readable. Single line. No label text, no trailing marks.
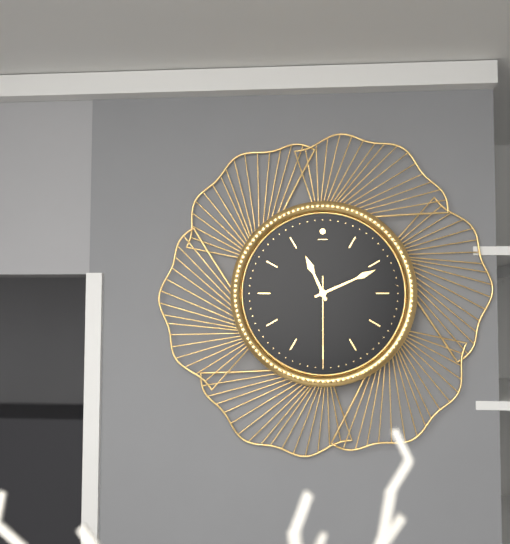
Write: 11,11,30
